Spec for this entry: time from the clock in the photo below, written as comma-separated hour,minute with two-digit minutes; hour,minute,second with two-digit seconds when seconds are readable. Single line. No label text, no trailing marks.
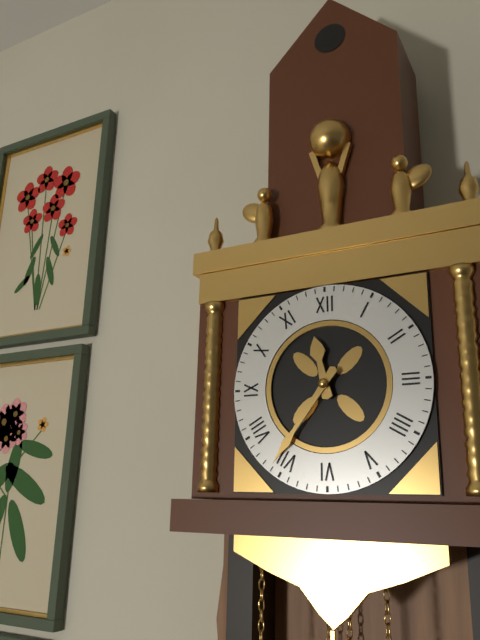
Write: 11,36
